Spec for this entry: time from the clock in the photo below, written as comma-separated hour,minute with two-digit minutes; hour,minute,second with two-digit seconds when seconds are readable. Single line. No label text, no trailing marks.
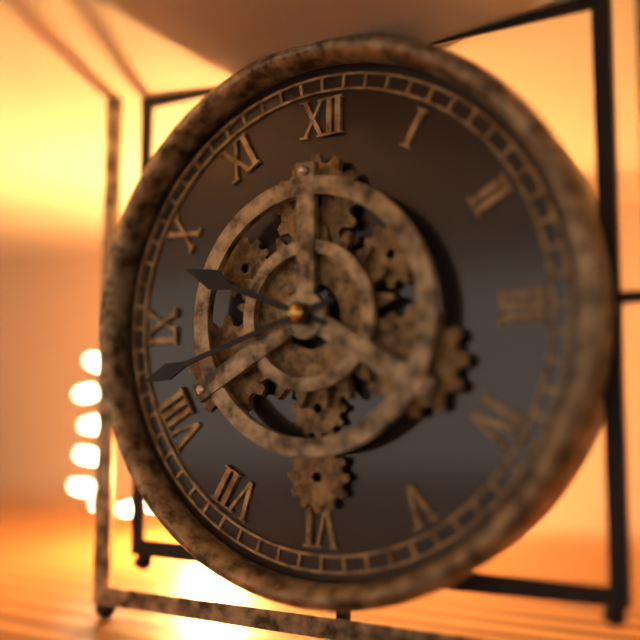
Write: 9,42
